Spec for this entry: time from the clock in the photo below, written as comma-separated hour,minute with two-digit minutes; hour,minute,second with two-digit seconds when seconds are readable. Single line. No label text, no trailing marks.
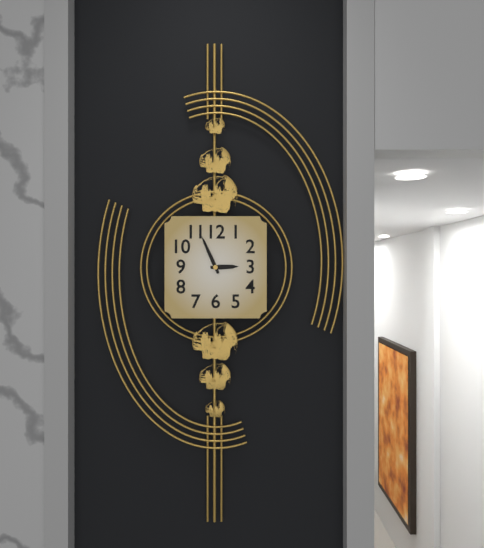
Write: 2,56
